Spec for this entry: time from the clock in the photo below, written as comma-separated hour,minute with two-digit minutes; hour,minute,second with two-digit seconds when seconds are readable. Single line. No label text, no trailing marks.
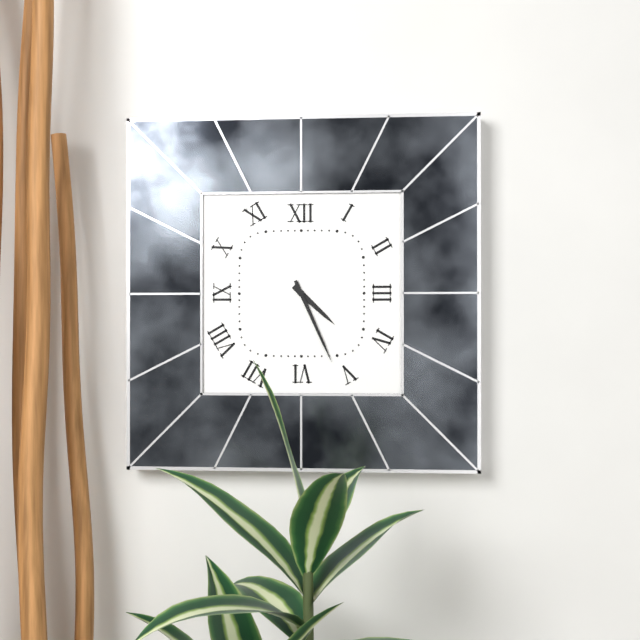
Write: 4,26
